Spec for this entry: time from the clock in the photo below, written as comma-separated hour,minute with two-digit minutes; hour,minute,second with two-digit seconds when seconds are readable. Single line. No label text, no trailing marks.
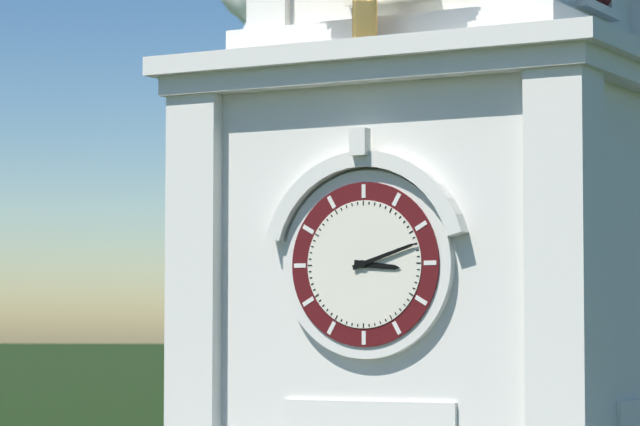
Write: 3,12
